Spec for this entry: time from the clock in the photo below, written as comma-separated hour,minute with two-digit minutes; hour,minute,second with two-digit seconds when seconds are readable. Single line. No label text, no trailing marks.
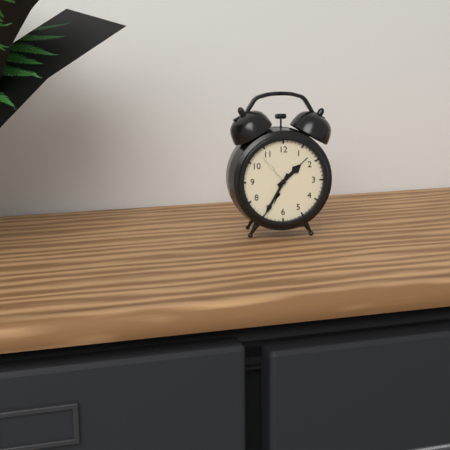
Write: 1,35
